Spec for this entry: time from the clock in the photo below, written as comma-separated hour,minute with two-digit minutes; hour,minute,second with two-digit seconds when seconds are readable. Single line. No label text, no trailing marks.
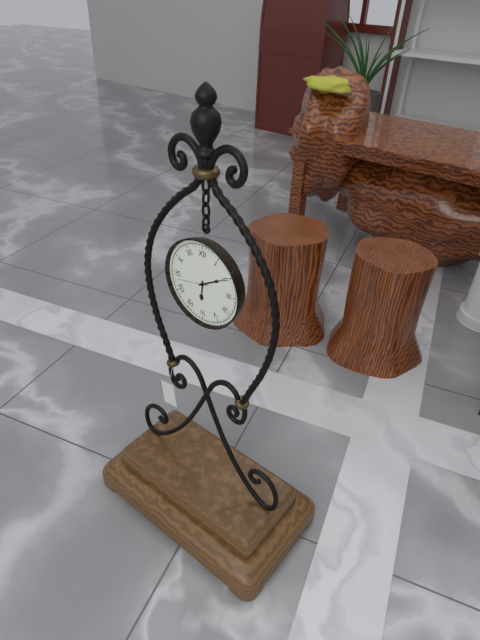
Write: 6,10
